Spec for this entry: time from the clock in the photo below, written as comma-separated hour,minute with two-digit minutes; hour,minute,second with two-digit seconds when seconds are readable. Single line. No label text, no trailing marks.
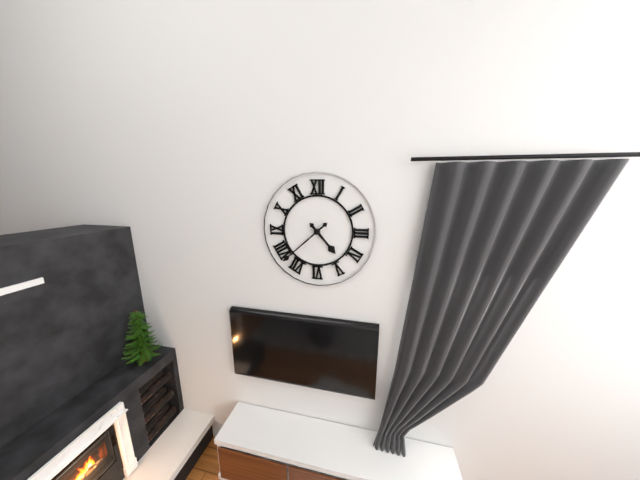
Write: 4,38
